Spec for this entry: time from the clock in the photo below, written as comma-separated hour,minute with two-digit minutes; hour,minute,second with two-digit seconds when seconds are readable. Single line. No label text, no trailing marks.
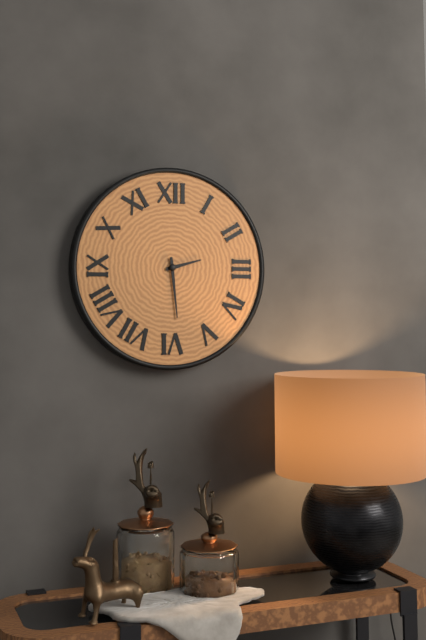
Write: 2,29
